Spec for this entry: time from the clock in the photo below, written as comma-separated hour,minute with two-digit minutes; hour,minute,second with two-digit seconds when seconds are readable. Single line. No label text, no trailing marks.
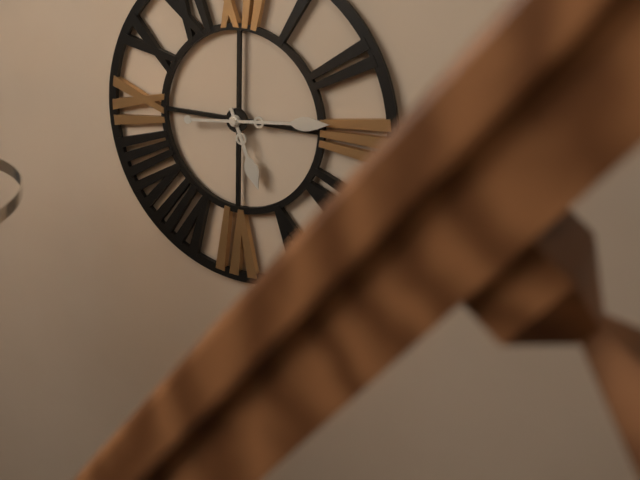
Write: 5,14
